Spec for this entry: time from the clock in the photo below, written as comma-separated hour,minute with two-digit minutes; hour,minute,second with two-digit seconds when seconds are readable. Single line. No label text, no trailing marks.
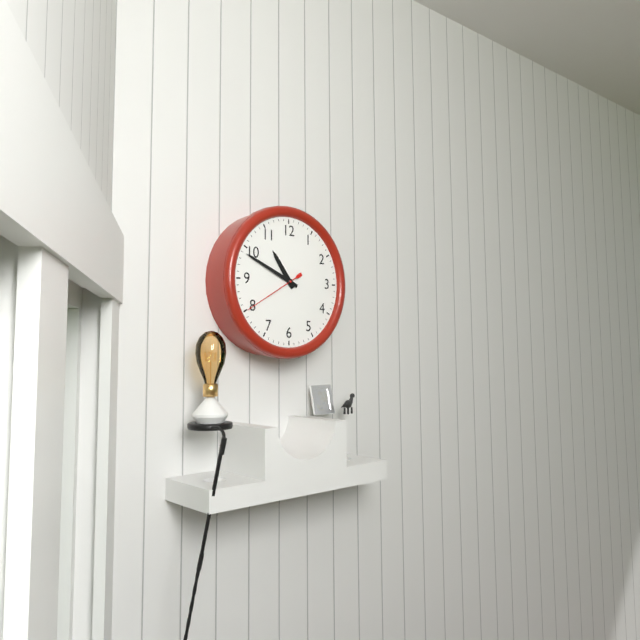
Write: 10,49
